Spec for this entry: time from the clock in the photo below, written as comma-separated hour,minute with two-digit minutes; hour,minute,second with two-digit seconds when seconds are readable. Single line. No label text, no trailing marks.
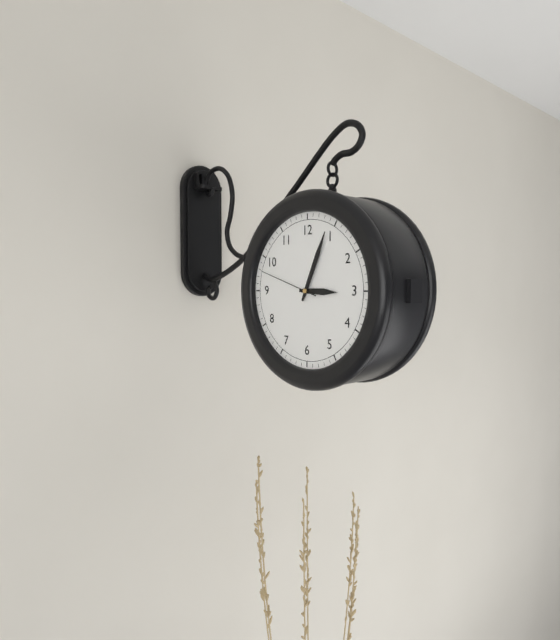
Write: 3,04,48
